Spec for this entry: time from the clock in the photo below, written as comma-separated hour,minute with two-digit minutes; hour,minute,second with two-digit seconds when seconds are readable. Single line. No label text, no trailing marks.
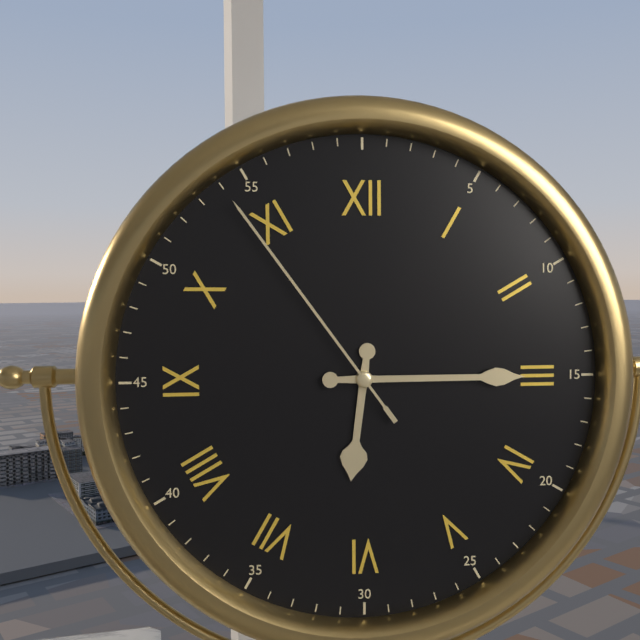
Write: 6,15,54
